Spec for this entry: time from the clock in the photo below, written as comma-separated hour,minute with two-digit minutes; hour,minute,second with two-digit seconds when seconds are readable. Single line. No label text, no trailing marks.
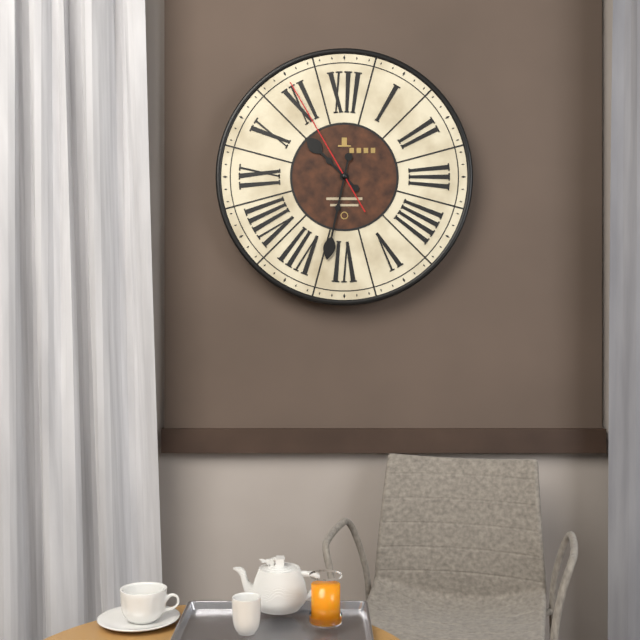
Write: 10,32,55
